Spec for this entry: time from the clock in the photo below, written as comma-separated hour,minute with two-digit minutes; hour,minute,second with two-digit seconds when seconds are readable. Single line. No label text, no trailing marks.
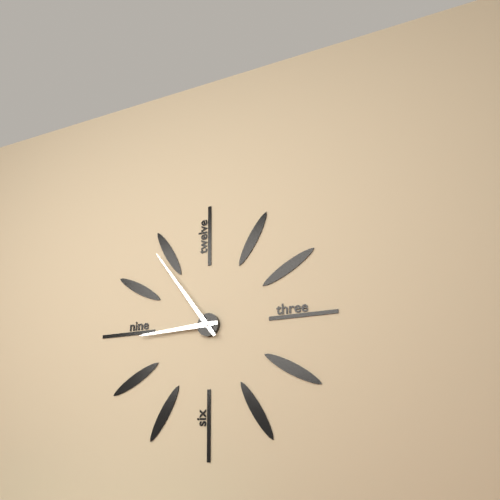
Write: 8,54
